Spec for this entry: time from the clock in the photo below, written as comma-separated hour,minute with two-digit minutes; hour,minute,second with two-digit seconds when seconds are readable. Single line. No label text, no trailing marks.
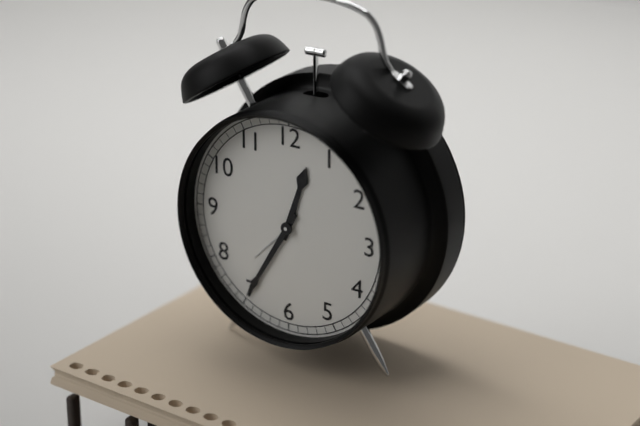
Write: 12,35
